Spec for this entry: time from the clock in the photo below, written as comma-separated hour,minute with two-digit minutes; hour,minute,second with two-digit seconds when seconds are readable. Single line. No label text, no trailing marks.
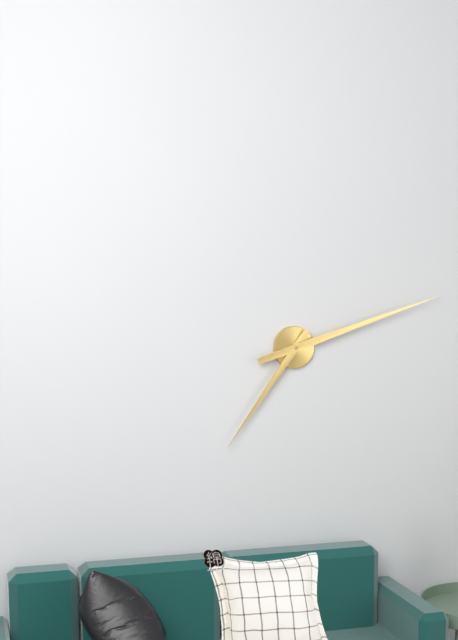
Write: 7,12
